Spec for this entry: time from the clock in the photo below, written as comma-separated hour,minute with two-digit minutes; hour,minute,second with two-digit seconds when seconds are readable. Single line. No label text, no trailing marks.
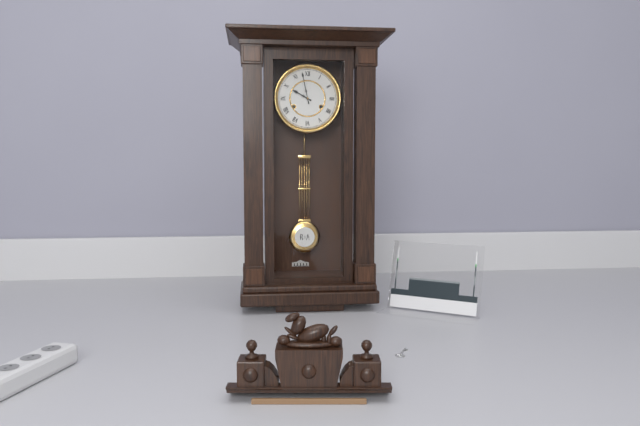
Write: 9,58
